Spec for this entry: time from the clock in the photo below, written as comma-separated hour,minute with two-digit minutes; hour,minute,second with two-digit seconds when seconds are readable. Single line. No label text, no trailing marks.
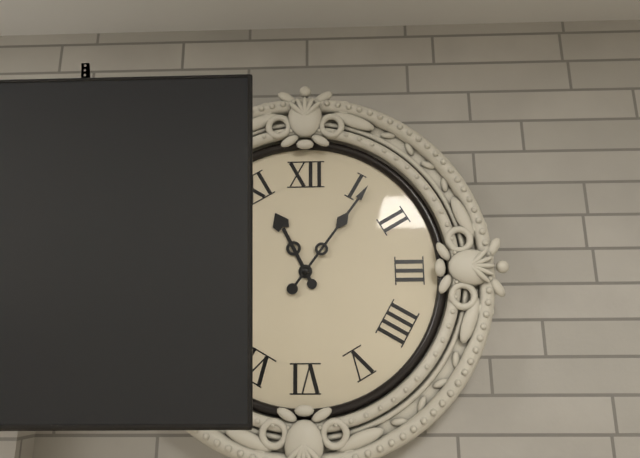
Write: 11,06
